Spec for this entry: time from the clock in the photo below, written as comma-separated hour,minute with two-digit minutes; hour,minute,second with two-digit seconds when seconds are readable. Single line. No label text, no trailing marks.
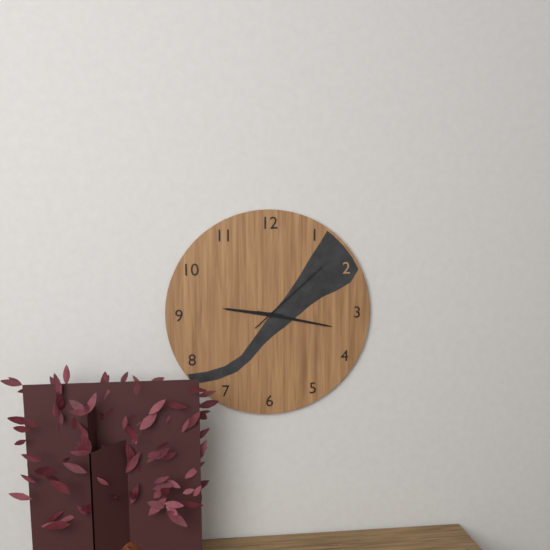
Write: 9,17,08
